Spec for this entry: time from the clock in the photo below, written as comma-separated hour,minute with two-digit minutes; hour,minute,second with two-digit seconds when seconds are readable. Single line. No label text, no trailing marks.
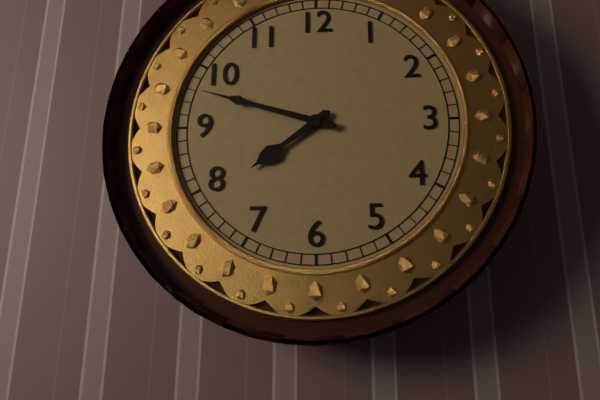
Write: 7,48
